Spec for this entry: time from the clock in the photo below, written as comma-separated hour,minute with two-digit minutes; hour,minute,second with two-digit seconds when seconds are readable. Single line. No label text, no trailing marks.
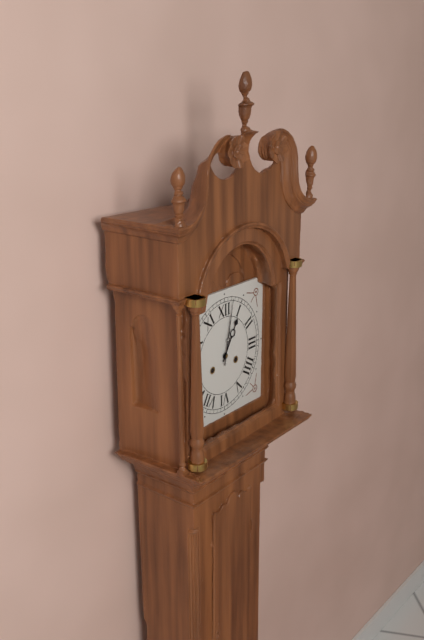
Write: 1,02
